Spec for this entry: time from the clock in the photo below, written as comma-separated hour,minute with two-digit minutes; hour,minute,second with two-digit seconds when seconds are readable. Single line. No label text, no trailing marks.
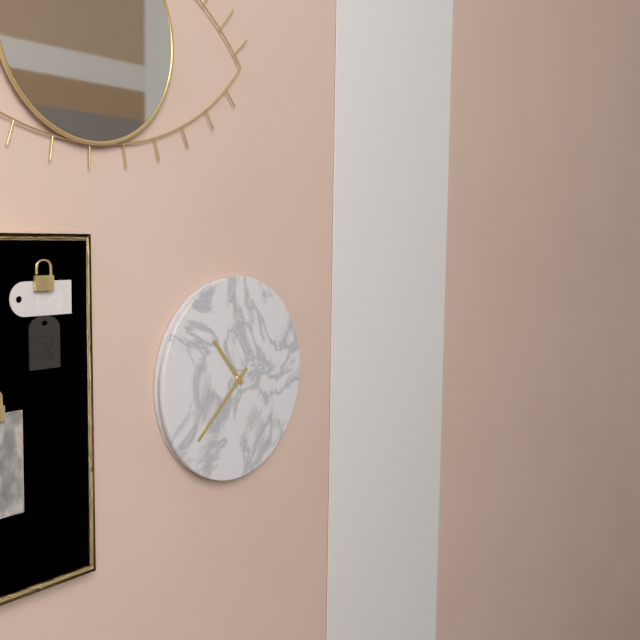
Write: 10,38
